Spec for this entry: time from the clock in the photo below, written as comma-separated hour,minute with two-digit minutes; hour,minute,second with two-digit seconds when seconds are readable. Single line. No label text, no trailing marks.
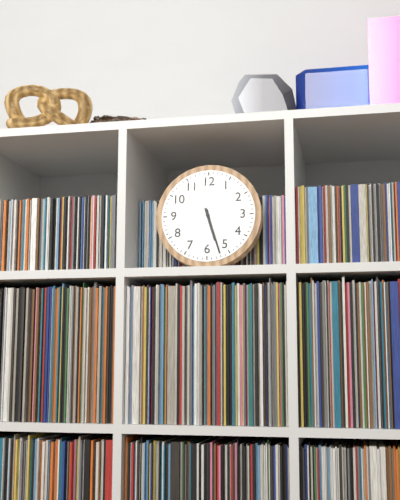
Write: 5,27
